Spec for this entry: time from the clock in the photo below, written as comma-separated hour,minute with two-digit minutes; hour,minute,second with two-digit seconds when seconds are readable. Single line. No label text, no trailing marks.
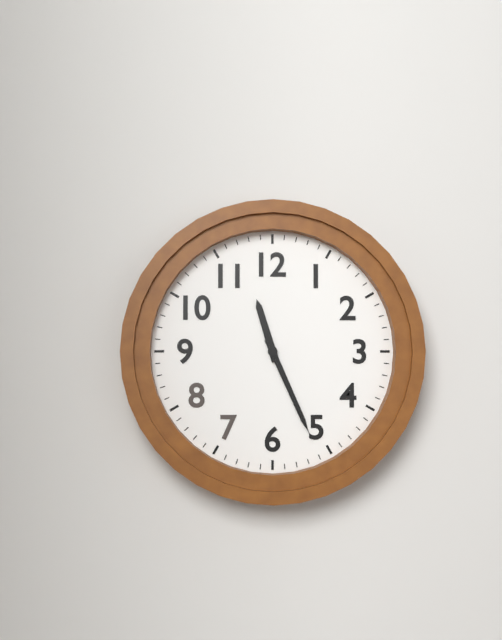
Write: 11,26,26
